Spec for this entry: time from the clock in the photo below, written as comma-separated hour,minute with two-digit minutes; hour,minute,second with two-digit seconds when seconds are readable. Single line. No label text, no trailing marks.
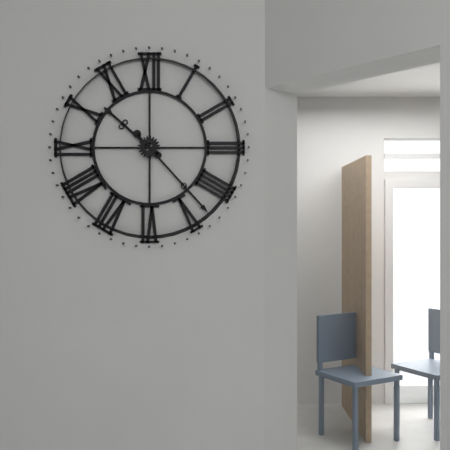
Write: 10,23
